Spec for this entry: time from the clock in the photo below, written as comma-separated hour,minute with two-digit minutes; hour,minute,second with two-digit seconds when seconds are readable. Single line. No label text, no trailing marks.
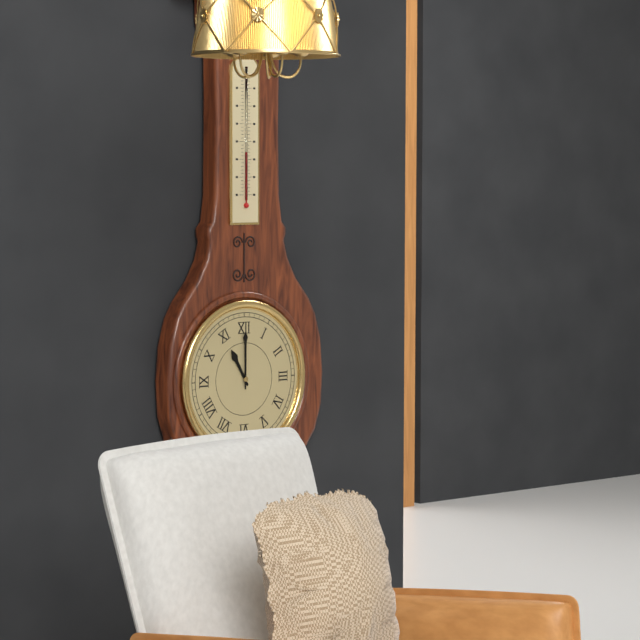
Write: 11,00
